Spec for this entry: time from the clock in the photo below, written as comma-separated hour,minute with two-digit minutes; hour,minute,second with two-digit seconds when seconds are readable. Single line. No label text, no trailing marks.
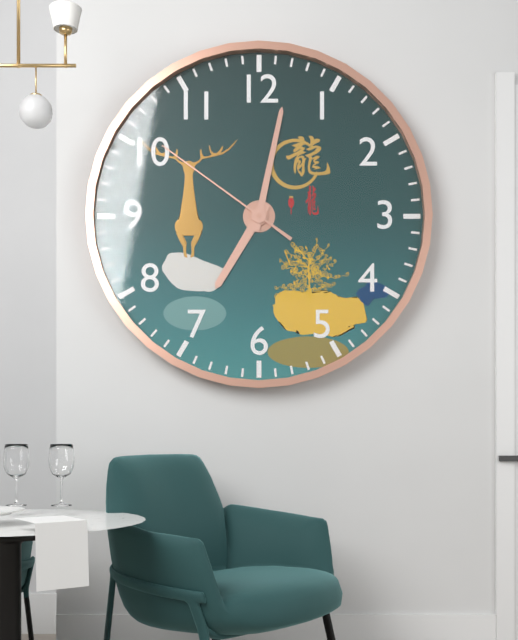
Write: 7,02,51
